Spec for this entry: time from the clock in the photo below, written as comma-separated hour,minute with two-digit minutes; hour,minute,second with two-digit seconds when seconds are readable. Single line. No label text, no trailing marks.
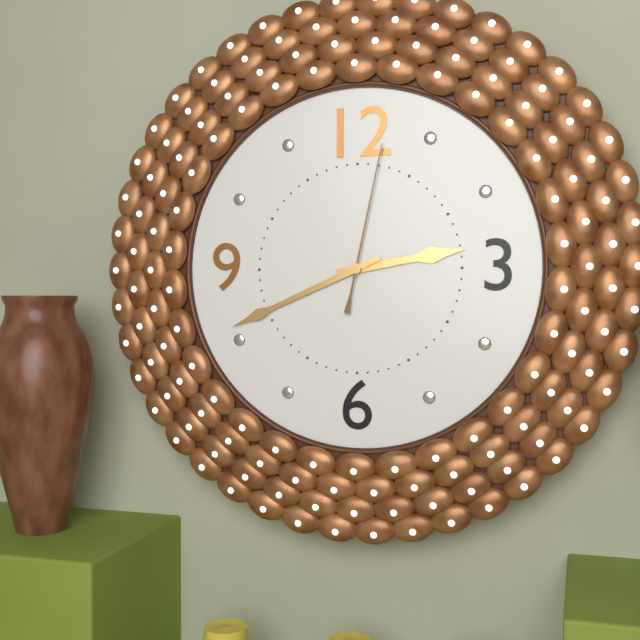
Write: 2,41,02
